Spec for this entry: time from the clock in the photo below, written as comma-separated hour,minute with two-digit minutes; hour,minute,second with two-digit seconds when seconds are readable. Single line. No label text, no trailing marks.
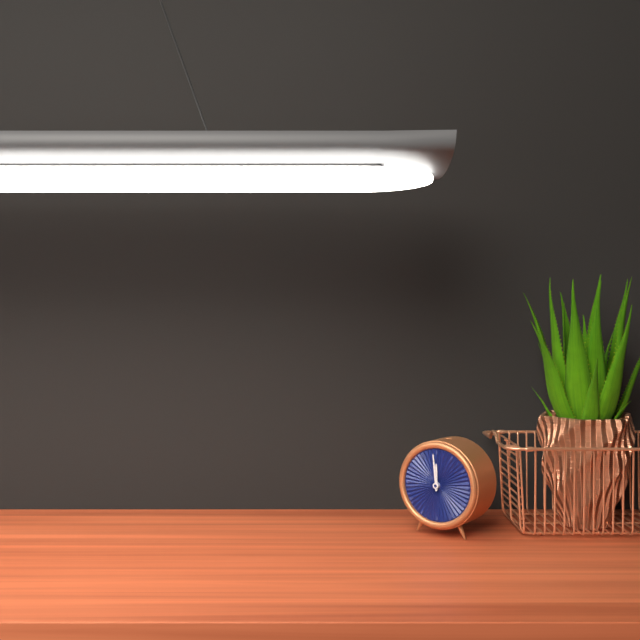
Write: 11,59
